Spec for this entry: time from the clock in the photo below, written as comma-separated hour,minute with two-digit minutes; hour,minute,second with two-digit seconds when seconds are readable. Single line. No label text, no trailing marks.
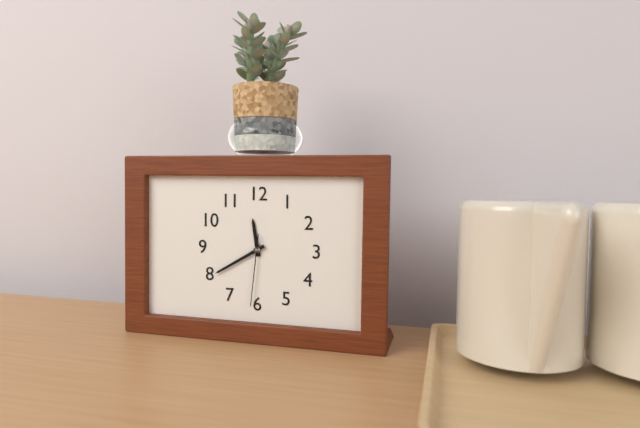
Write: 11,40,31
